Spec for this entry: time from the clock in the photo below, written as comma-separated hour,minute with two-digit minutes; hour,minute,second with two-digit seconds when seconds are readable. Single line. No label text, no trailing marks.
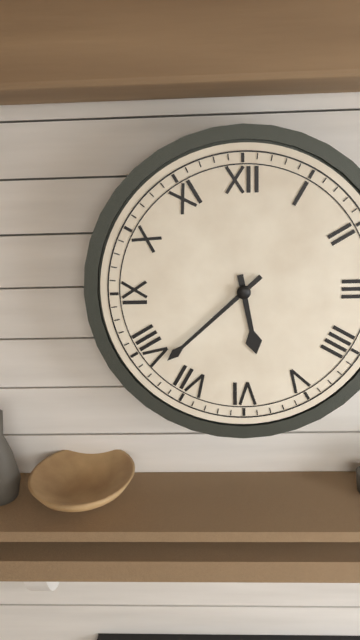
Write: 5,38
